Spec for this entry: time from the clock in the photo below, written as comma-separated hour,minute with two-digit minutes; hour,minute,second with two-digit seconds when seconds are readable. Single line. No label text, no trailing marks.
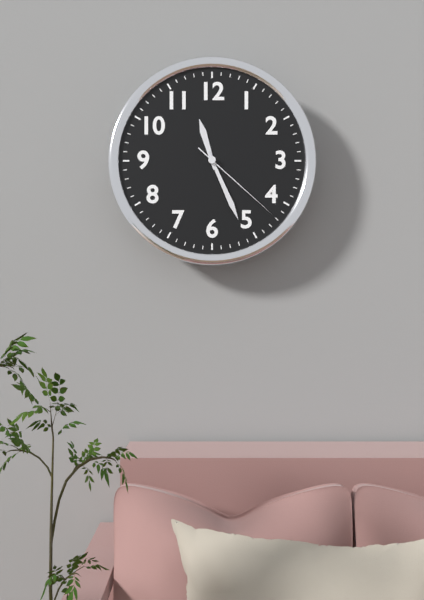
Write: 11,26,22
